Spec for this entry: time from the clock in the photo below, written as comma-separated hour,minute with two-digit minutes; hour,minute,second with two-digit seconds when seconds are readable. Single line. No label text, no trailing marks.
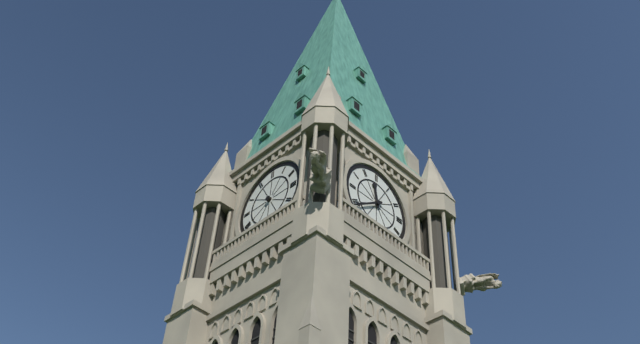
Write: 11,39
